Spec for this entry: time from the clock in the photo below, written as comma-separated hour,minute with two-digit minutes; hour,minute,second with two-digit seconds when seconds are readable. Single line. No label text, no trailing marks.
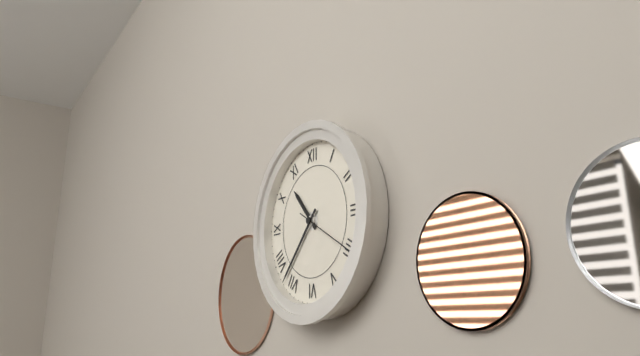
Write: 10,37,20
